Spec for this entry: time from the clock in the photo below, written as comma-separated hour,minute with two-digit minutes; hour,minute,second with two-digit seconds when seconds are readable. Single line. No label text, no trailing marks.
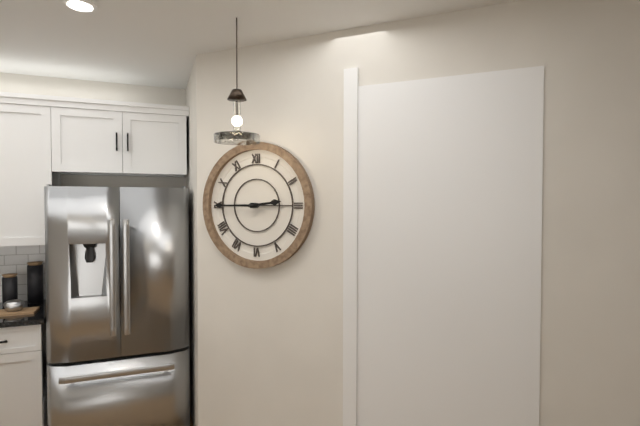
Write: 2,45
